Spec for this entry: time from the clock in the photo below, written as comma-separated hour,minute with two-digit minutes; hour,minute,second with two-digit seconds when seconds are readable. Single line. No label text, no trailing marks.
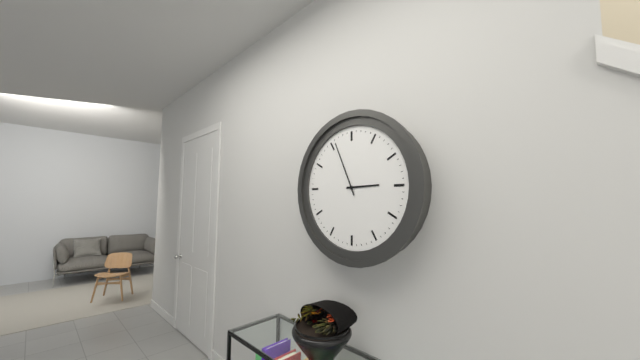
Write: 2,56
